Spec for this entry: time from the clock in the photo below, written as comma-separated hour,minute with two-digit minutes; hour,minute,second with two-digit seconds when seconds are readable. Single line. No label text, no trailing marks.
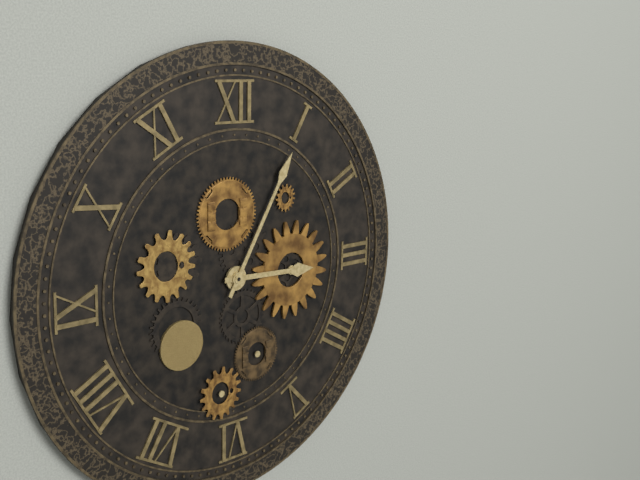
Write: 3,05
